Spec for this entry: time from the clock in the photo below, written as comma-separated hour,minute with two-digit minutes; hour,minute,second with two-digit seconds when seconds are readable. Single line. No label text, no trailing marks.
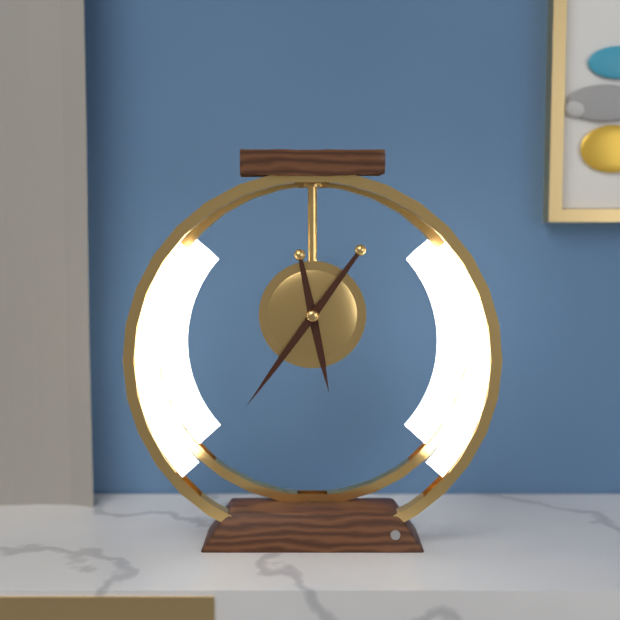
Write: 5,36
